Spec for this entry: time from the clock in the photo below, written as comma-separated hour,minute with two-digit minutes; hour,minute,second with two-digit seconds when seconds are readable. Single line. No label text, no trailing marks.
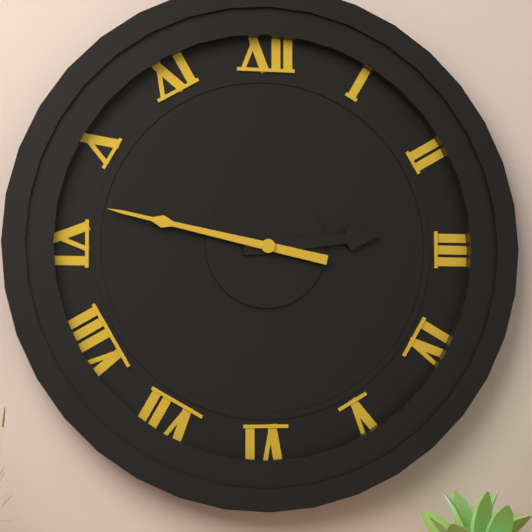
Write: 2,47
